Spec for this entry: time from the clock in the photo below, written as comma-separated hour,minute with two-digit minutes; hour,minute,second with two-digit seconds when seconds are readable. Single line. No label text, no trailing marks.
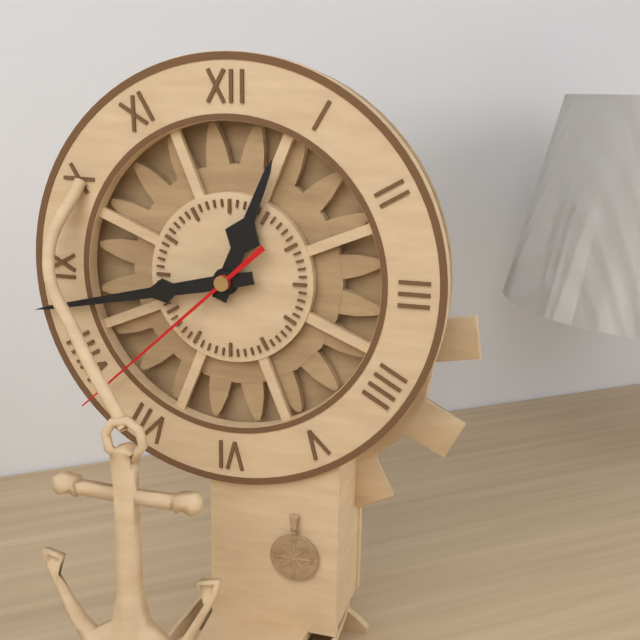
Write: 12,43,38
